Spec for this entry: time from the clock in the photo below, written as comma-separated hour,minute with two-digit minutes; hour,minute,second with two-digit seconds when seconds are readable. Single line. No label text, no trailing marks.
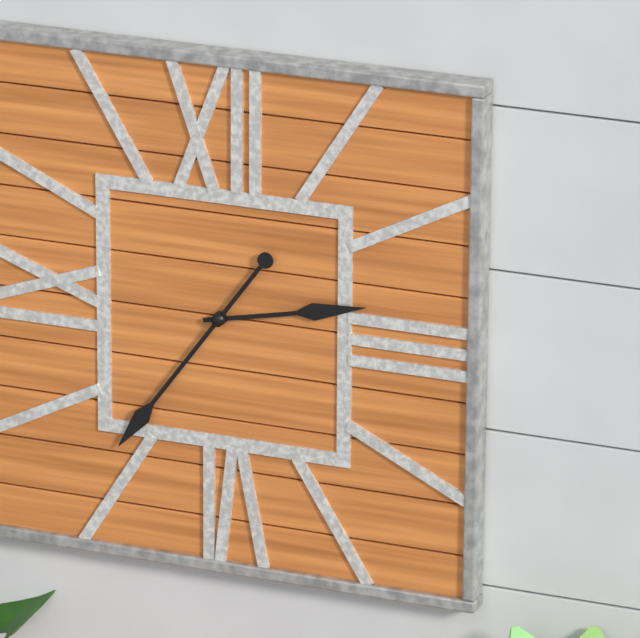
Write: 2,36
